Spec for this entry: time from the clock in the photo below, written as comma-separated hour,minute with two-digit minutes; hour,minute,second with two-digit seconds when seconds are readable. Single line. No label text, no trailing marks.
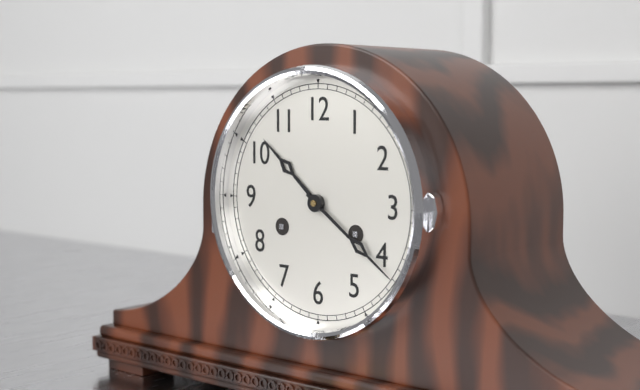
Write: 10,21
